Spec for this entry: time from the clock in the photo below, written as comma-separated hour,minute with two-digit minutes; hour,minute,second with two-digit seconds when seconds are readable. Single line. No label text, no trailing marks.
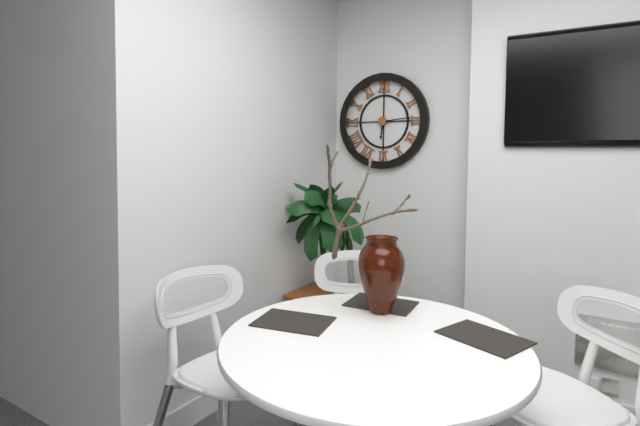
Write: 6,14
